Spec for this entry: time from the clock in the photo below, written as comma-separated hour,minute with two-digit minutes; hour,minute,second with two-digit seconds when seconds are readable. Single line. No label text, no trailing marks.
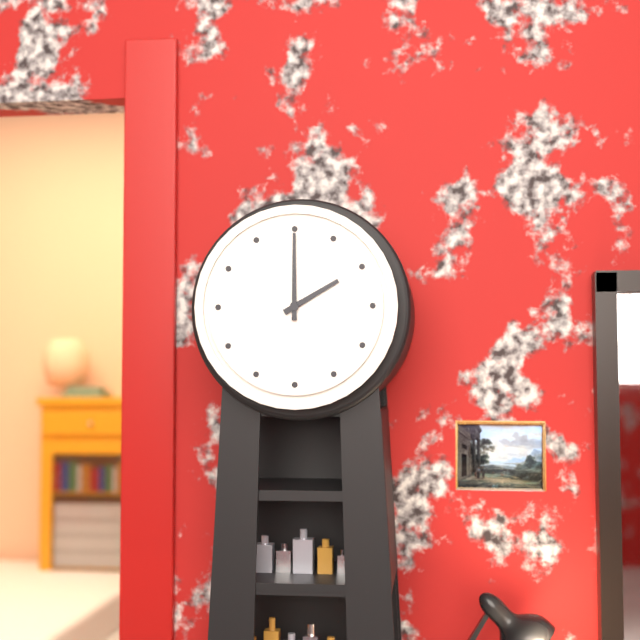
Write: 2,00
